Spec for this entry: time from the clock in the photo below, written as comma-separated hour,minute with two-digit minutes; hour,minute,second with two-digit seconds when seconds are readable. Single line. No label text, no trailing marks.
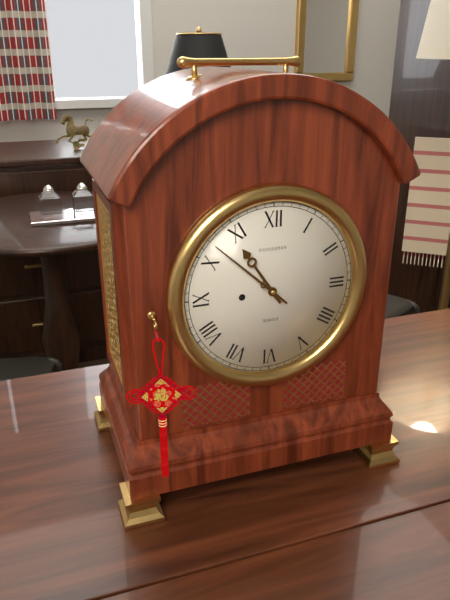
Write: 10,52
